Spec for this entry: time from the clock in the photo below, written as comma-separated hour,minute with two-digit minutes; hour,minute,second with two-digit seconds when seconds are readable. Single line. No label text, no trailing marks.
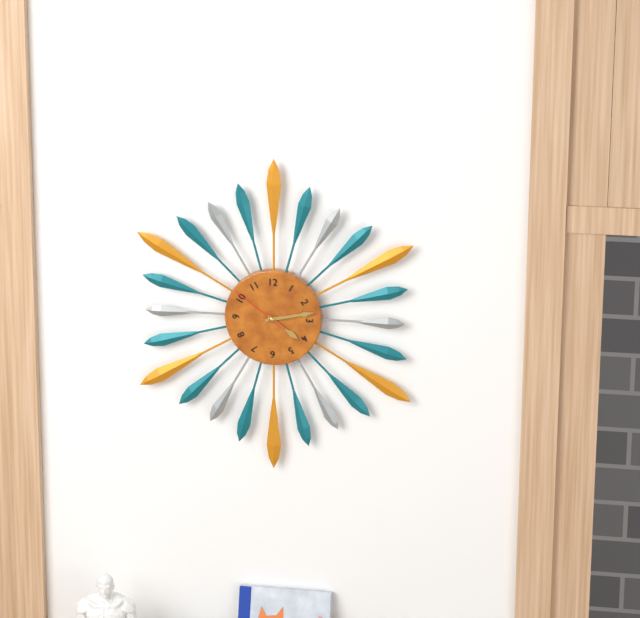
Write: 4,13,51
